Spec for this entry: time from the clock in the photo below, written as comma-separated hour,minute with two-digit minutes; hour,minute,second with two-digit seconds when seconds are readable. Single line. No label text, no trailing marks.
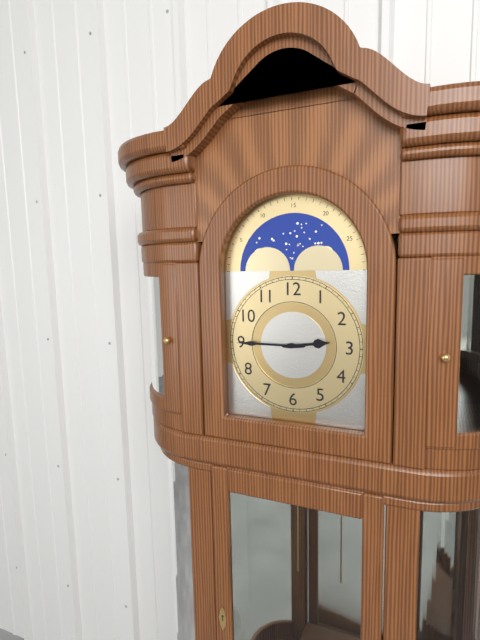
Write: 2,45
